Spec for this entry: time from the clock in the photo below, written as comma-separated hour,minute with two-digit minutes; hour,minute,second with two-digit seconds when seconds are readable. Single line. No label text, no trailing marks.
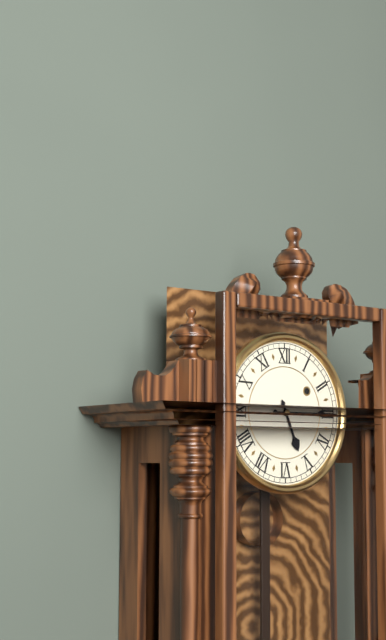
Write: 5,15
